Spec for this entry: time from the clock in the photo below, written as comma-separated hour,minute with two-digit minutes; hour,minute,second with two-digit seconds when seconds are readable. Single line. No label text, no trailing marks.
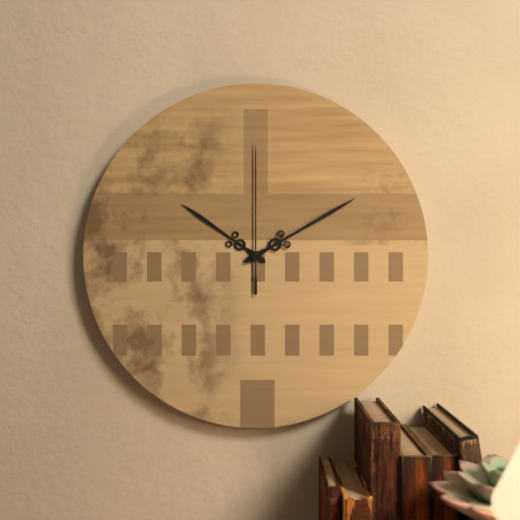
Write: 10,10,00
